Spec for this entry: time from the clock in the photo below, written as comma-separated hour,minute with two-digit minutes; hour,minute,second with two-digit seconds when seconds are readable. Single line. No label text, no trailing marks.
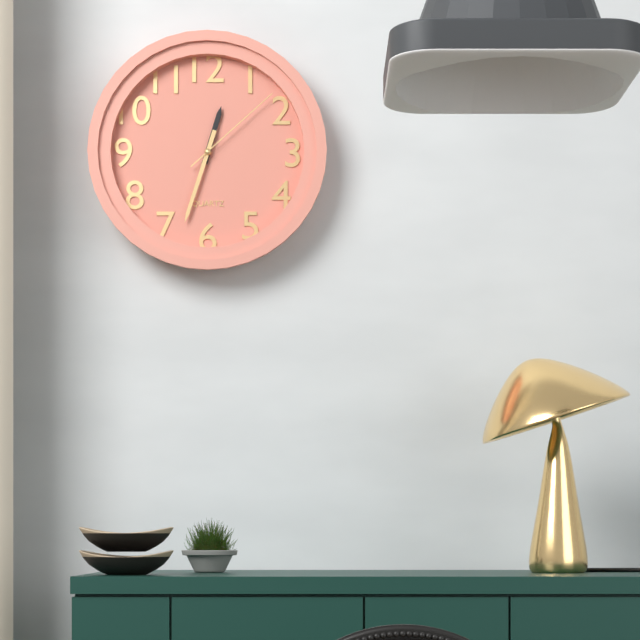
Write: 12,33,08
